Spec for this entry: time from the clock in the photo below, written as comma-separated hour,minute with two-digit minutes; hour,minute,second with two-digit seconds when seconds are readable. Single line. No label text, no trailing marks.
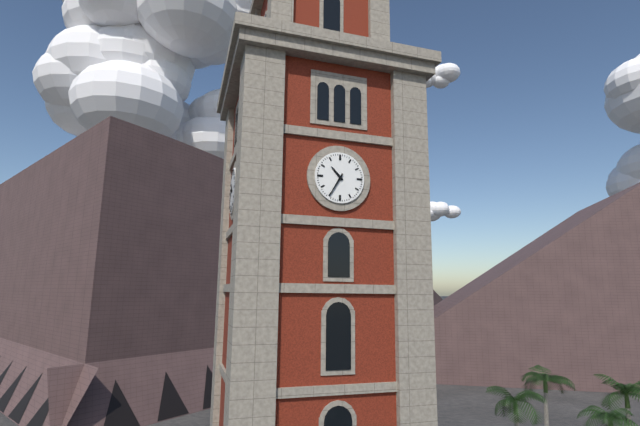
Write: 10,35
